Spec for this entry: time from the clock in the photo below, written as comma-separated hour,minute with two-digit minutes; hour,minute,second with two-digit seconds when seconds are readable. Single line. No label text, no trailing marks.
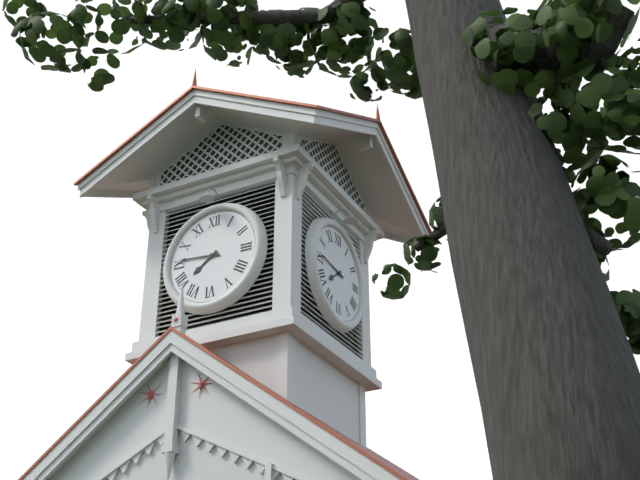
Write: 7,46
